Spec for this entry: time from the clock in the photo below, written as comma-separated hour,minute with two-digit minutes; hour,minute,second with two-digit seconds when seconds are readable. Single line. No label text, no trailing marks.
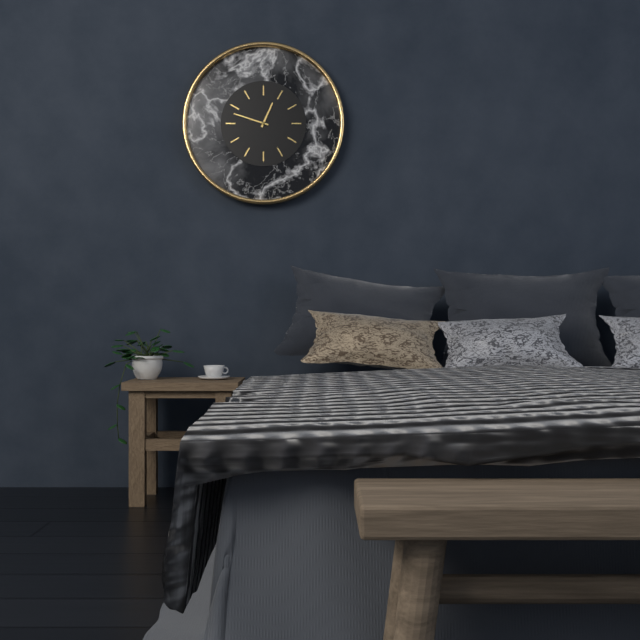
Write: 12,48
